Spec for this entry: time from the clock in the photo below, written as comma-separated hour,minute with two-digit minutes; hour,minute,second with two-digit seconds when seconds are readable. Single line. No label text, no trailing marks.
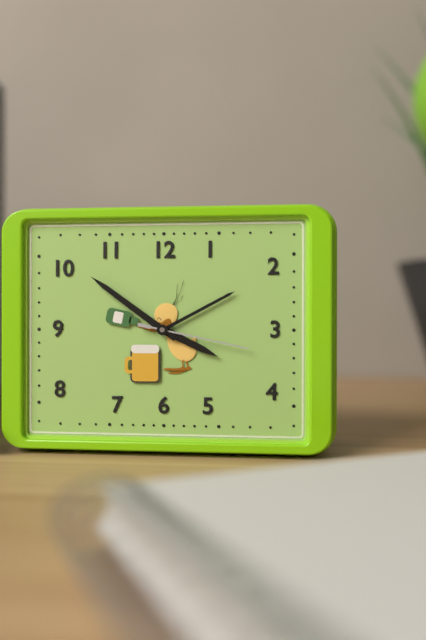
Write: 3,51,17
